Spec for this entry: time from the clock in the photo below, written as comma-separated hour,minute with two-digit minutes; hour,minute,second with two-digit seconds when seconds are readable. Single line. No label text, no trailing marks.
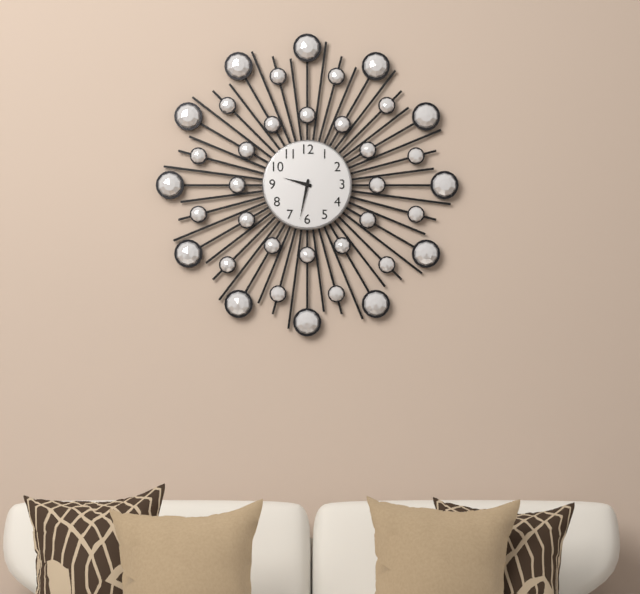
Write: 9,32
